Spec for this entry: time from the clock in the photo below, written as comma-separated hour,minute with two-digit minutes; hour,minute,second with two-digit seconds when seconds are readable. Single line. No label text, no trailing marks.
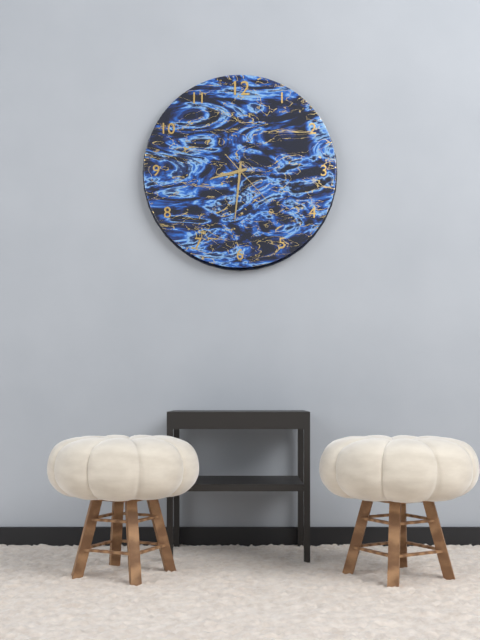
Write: 8,31,23
